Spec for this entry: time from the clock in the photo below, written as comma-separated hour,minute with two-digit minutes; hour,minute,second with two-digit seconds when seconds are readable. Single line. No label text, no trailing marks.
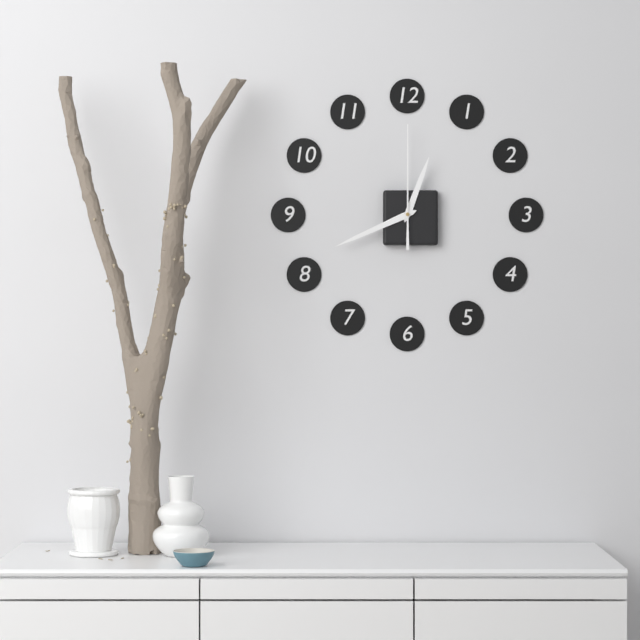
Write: 12,41,00
